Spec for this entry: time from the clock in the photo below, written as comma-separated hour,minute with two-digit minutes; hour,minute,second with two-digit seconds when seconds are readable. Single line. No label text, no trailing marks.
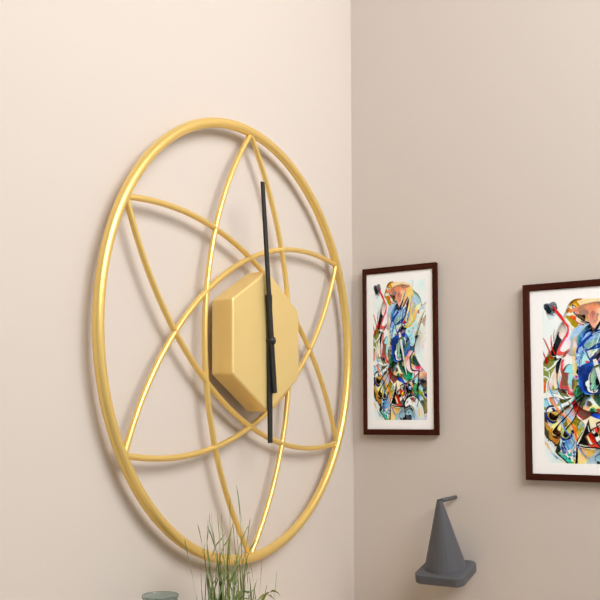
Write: 5,59
